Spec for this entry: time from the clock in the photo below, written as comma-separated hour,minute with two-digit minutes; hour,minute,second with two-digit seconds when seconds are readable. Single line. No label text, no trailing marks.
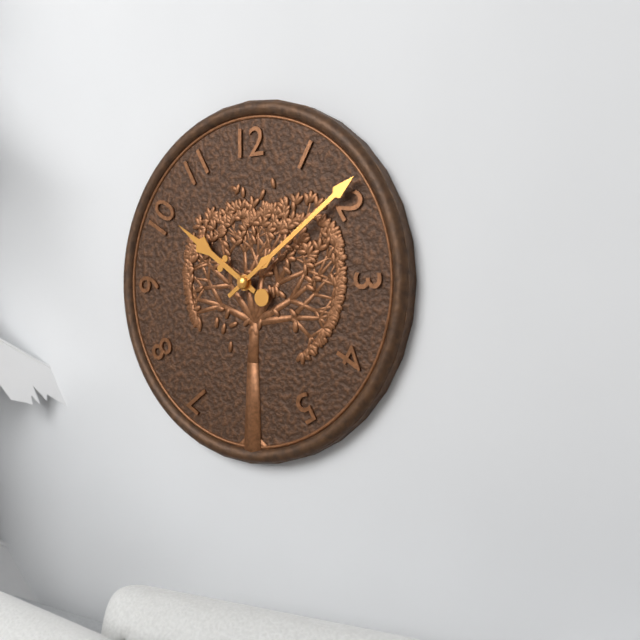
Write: 10,09
